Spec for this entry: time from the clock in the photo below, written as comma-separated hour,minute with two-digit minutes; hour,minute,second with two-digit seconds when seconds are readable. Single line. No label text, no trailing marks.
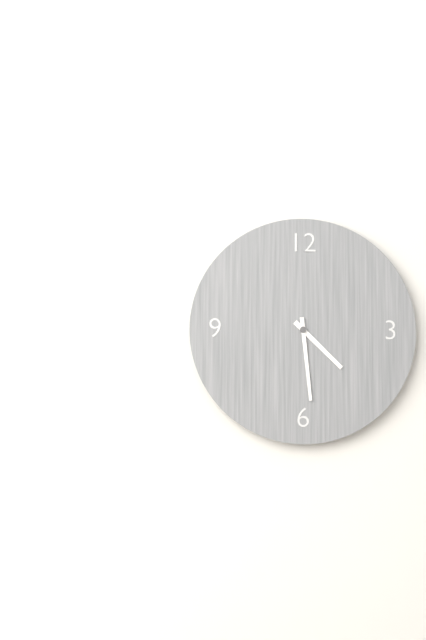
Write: 4,29
